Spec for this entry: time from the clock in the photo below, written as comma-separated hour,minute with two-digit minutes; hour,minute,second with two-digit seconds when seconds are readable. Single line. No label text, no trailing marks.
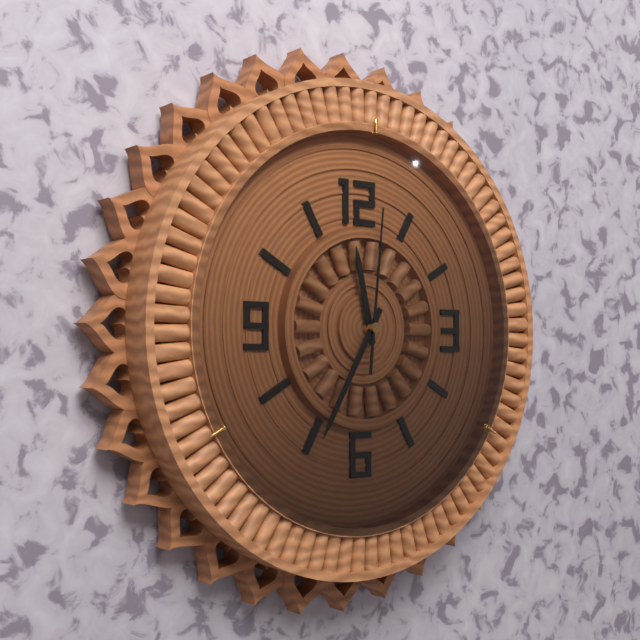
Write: 11,35,01
